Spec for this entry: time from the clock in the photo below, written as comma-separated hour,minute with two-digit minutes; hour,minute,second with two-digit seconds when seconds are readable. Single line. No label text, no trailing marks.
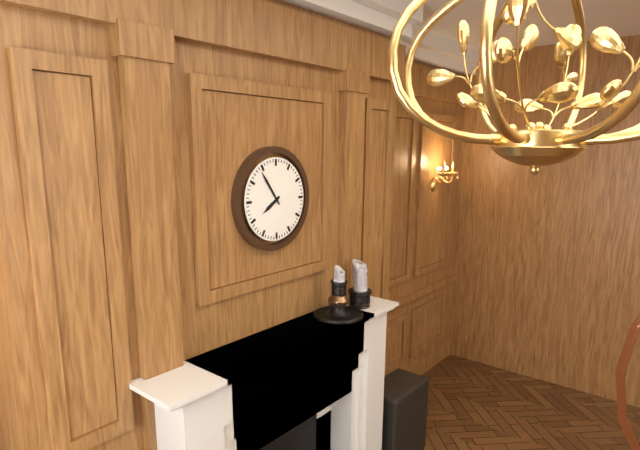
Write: 7,54
